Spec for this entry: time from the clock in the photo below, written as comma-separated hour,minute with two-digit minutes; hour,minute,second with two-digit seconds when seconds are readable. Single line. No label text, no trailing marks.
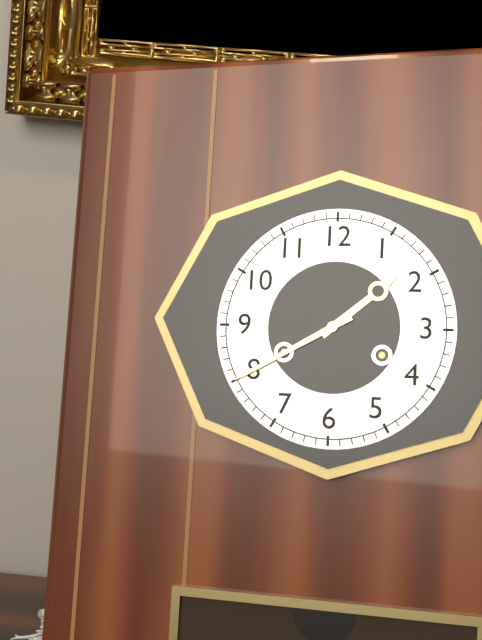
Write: 1,40
